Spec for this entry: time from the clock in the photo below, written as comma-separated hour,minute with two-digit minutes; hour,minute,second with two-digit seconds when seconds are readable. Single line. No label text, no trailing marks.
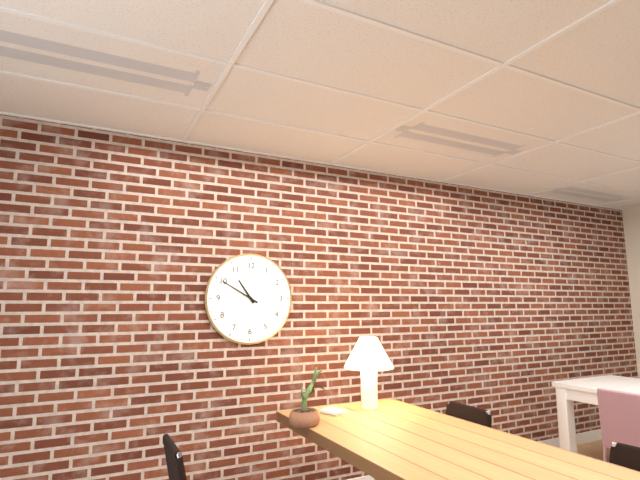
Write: 10,50
